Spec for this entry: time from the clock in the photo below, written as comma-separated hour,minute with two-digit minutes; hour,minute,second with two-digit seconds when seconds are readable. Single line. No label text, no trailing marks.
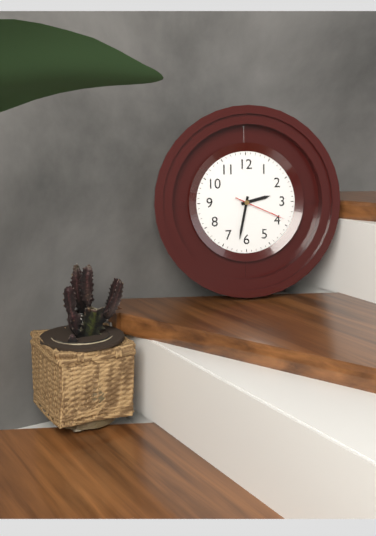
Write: 2,32,19
